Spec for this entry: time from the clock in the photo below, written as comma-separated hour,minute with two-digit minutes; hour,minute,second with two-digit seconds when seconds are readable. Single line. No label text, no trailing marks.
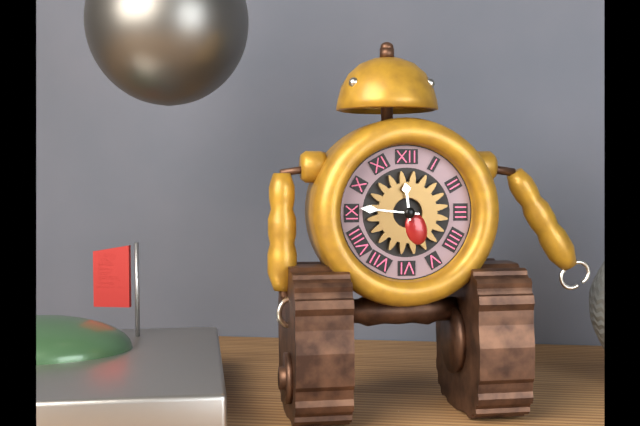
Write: 11,46
